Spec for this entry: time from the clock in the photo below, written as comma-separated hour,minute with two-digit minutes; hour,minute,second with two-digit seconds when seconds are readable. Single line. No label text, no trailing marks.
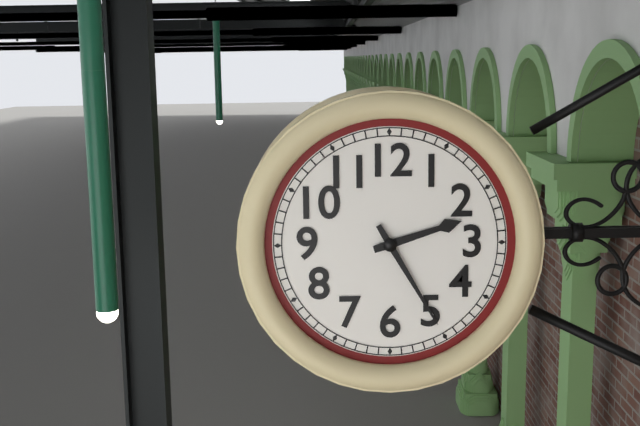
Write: 2,25
